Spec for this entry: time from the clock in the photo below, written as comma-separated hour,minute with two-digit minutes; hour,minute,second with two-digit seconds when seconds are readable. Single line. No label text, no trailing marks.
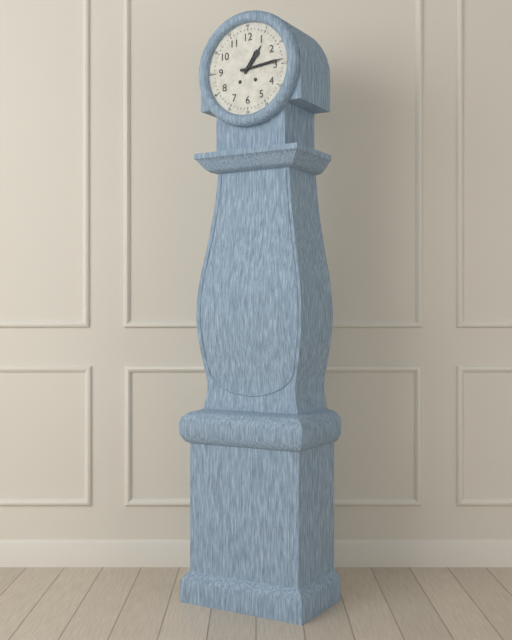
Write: 1,14
